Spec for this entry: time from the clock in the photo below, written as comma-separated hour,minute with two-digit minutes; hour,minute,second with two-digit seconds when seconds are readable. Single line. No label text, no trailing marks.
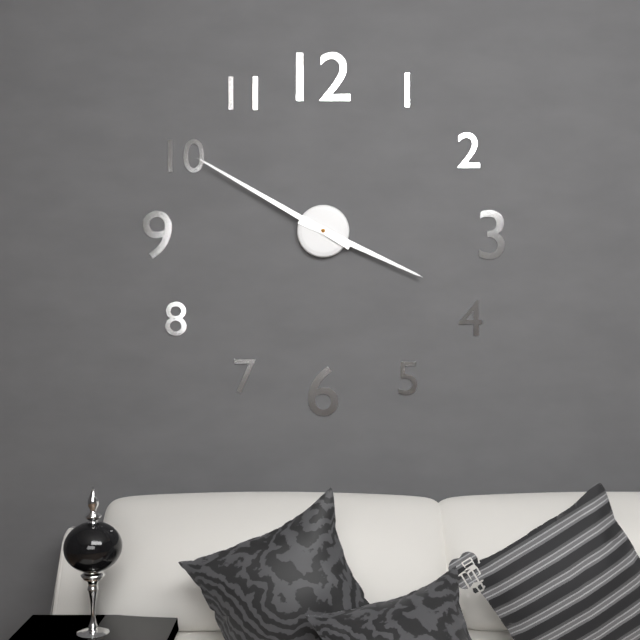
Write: 3,50
